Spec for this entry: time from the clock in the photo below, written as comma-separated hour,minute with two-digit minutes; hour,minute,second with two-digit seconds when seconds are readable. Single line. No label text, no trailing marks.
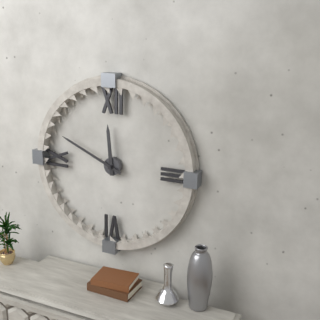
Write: 11,49
